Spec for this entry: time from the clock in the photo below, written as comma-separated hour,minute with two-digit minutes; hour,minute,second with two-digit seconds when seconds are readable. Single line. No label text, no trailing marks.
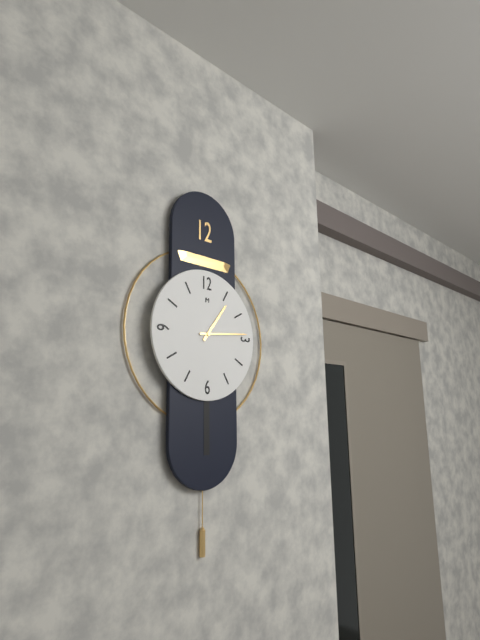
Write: 1,14
